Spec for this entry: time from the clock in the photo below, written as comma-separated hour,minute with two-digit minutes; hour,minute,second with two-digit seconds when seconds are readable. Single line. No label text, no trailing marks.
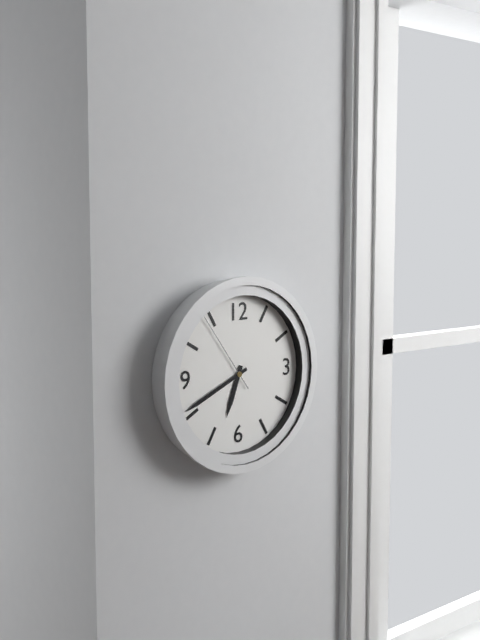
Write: 6,41,54
